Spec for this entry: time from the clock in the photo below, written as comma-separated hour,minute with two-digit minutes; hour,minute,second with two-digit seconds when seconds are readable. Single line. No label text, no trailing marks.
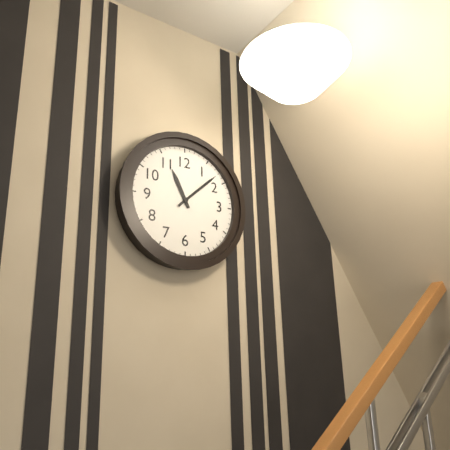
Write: 11,08
